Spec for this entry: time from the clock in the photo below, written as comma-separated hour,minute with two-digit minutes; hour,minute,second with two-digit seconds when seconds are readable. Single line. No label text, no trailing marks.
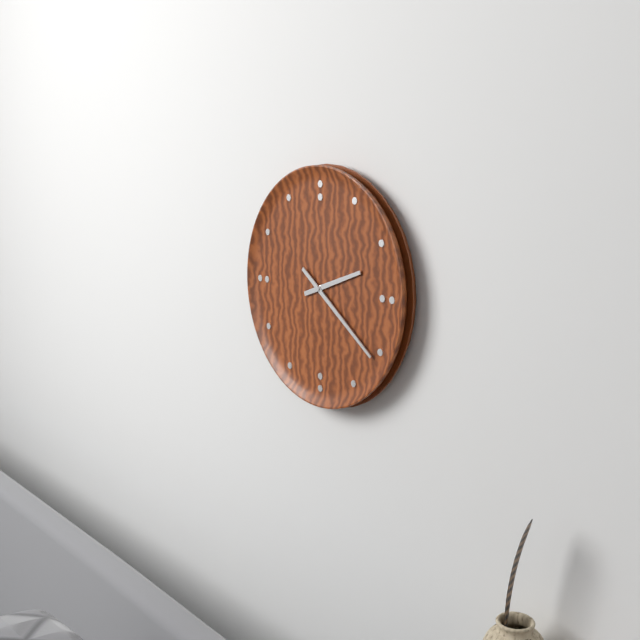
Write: 2,21
